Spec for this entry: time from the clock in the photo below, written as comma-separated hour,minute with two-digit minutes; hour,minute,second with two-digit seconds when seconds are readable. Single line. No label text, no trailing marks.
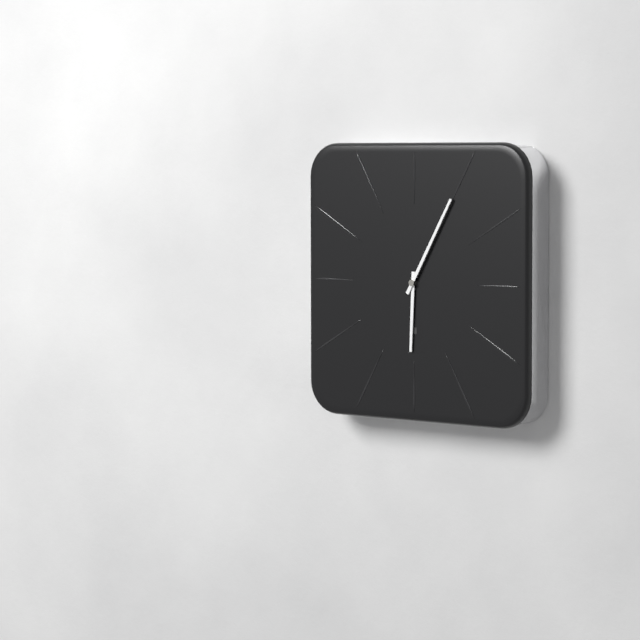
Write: 6,05
